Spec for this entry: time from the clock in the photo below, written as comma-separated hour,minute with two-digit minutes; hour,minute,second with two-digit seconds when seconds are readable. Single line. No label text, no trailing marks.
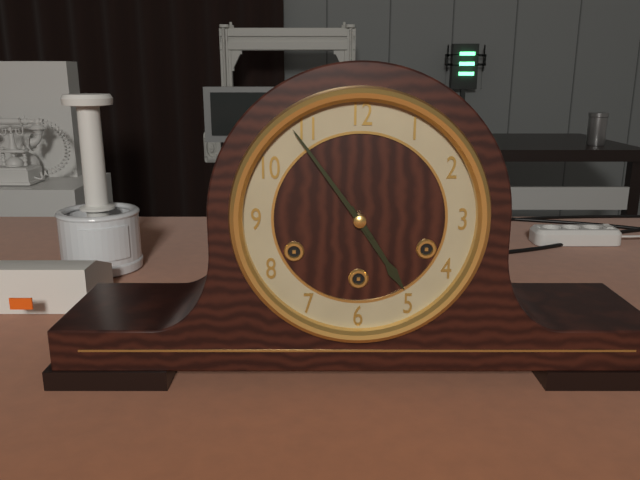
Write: 4,54
